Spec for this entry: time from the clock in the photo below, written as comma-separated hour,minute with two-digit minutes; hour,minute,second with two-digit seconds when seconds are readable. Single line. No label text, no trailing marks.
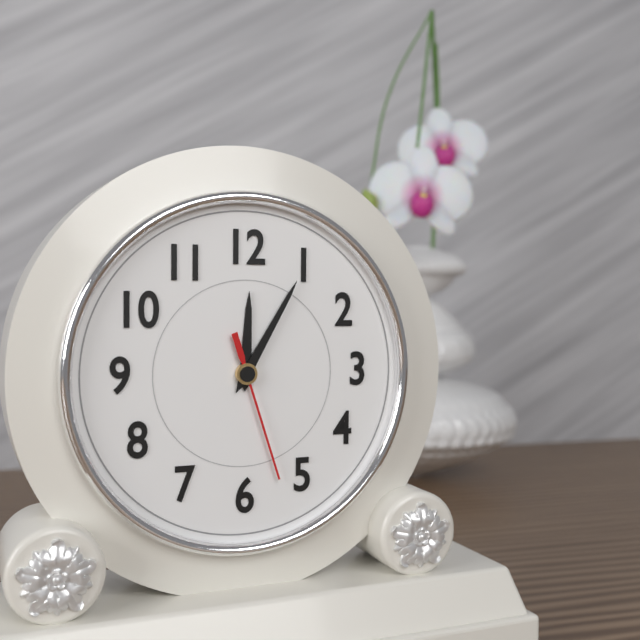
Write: 12,05,27
